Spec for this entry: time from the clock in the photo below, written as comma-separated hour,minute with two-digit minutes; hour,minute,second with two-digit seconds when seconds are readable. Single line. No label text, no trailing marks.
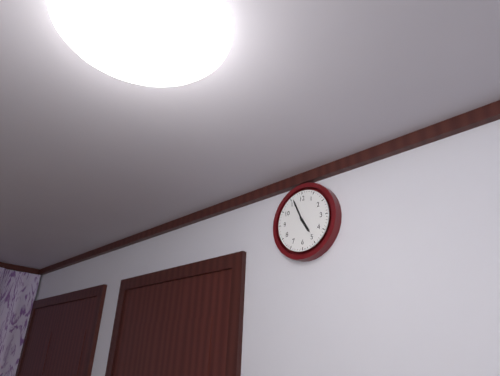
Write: 4,56
